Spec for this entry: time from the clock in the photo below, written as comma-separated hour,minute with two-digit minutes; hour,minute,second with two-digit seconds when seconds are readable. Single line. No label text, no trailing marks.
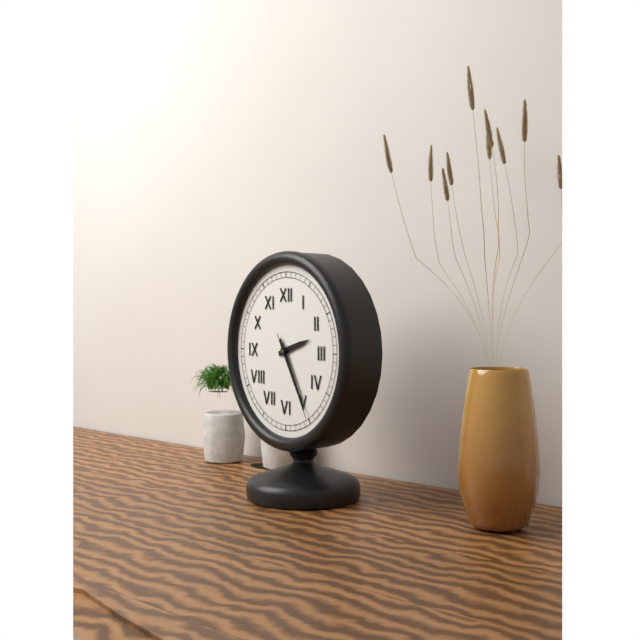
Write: 2,25,25
